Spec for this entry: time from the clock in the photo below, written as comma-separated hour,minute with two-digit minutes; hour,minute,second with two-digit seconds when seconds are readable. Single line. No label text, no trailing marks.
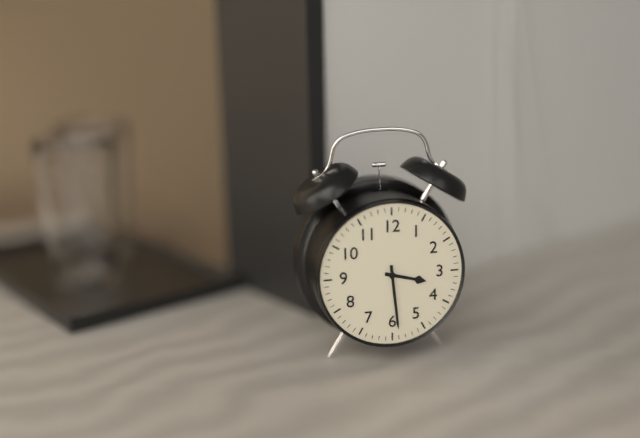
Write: 3,29
